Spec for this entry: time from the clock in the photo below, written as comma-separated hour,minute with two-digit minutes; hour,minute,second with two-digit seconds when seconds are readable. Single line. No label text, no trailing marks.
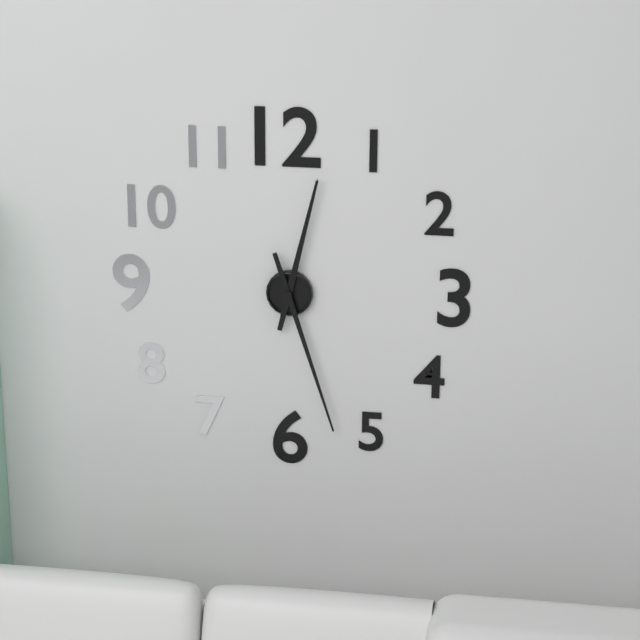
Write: 12,27
